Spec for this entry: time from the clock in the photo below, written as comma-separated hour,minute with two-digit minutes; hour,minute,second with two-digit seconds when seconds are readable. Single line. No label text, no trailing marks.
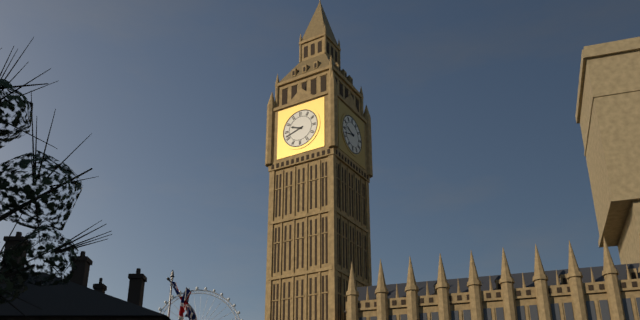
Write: 9,42
